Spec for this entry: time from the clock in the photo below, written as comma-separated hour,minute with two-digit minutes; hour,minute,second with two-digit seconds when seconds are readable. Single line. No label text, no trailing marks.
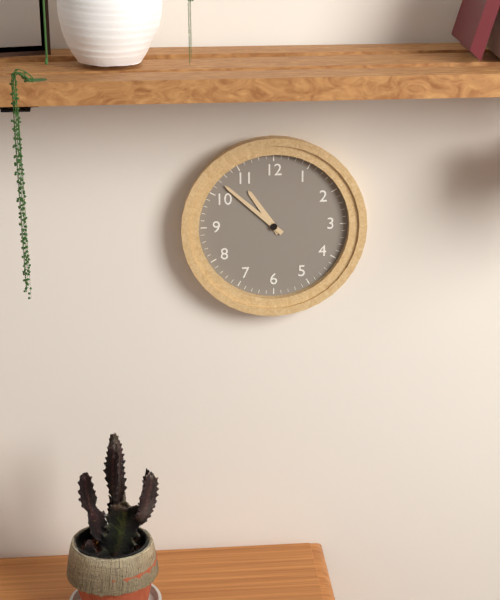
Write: 10,52
